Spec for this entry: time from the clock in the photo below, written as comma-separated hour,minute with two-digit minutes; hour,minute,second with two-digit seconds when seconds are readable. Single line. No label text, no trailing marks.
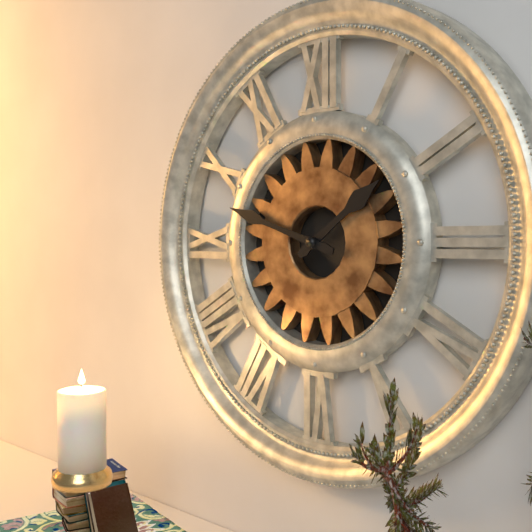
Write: 1,48
